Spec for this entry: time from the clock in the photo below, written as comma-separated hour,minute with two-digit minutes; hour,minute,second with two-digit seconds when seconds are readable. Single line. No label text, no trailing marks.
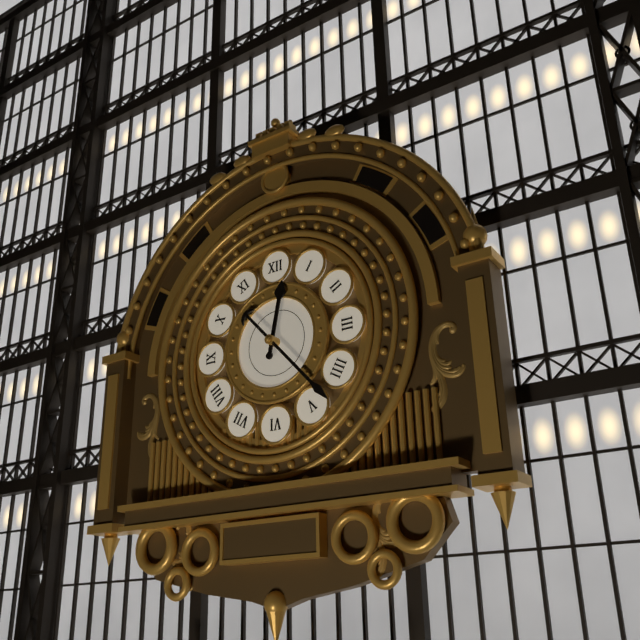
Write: 12,23
